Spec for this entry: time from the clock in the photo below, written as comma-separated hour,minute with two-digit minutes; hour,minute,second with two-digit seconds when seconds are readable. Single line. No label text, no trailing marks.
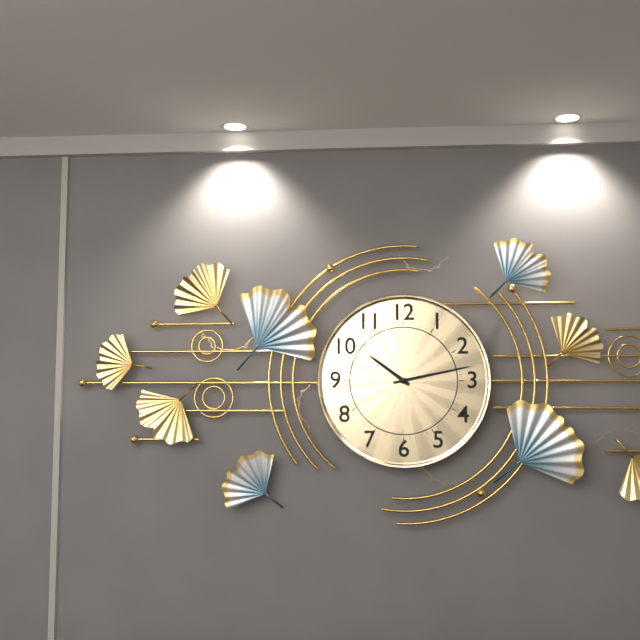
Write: 10,13
